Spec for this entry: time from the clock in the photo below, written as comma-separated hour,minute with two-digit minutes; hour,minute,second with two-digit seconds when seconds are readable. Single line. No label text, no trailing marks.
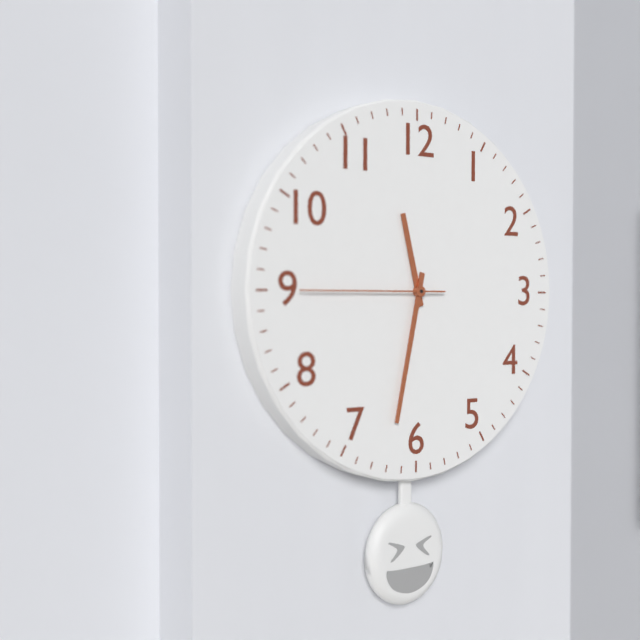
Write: 11,32,45
